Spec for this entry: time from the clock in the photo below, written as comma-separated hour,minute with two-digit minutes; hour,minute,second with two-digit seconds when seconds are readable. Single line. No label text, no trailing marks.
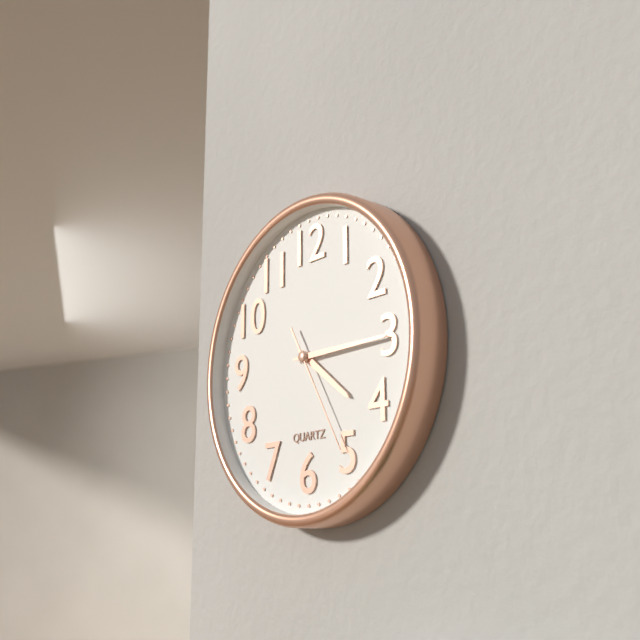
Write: 4,15,25
